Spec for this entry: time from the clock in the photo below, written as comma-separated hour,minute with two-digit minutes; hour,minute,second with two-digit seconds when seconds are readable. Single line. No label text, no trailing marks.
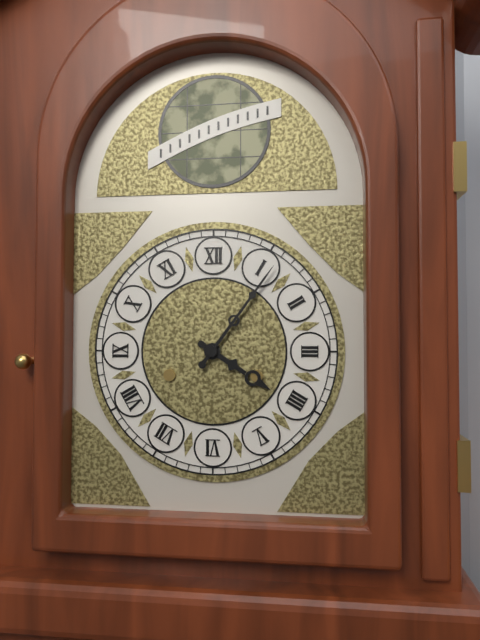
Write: 4,06
